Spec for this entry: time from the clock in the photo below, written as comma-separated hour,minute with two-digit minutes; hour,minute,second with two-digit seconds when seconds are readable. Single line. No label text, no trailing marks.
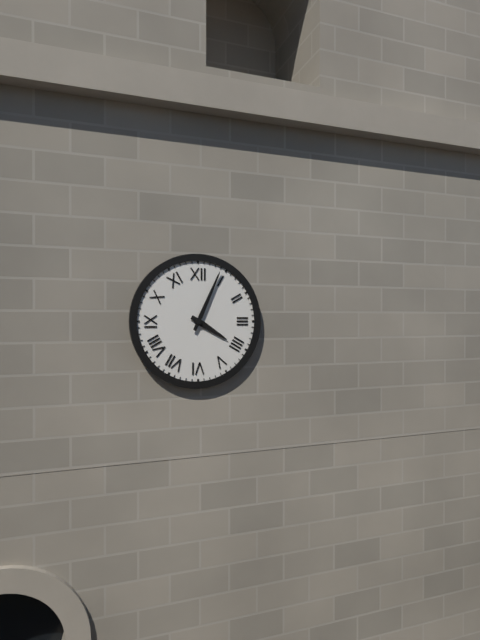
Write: 4,04
